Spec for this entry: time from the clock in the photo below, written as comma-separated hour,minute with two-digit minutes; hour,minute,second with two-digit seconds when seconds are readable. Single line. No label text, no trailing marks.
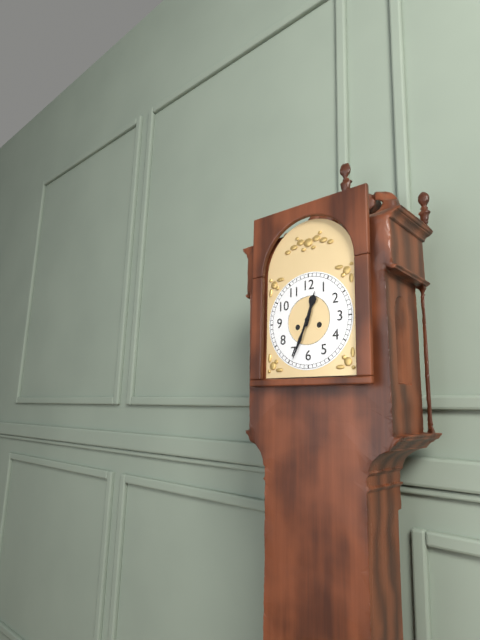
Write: 12,34
